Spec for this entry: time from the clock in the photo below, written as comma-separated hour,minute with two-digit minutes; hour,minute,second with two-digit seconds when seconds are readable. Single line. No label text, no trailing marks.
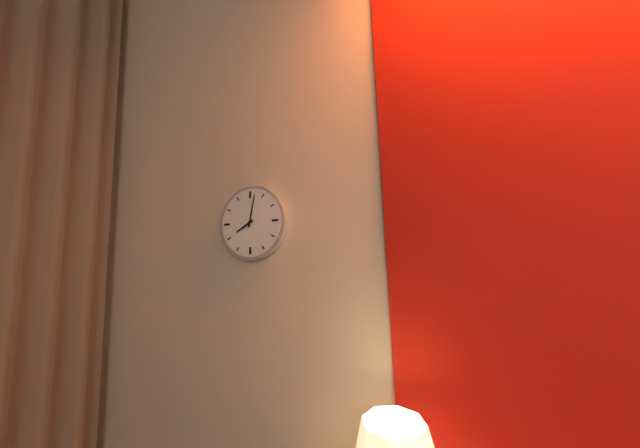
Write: 8,02
